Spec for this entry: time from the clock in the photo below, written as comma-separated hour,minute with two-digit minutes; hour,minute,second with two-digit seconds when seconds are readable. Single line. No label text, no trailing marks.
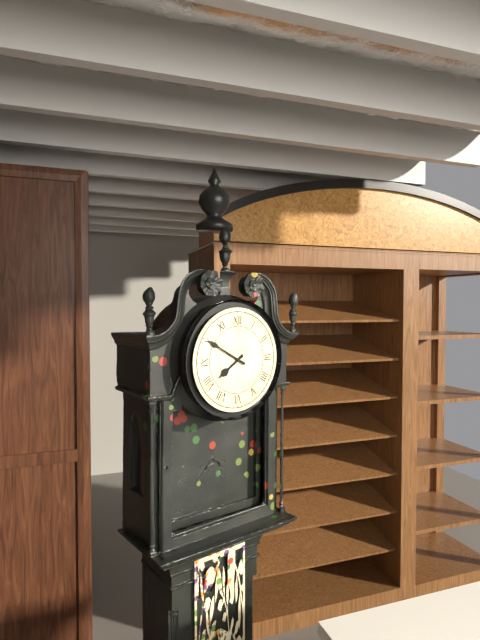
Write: 7,50
